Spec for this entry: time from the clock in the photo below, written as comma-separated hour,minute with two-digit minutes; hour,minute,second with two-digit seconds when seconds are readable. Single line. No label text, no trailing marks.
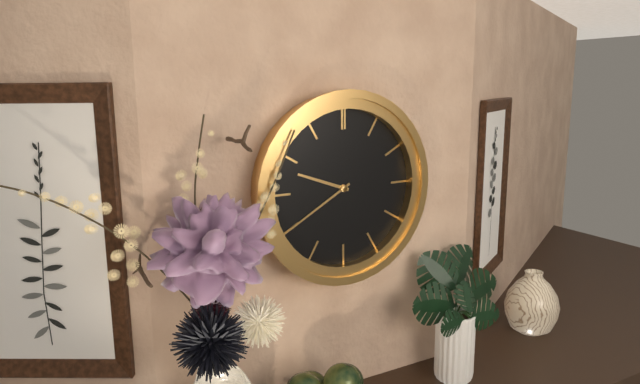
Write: 9,40
